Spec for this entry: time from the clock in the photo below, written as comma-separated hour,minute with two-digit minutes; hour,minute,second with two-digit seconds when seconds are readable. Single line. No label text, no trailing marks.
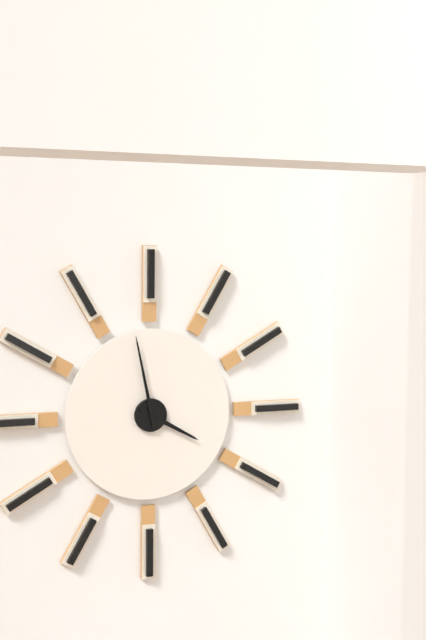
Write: 3,58
